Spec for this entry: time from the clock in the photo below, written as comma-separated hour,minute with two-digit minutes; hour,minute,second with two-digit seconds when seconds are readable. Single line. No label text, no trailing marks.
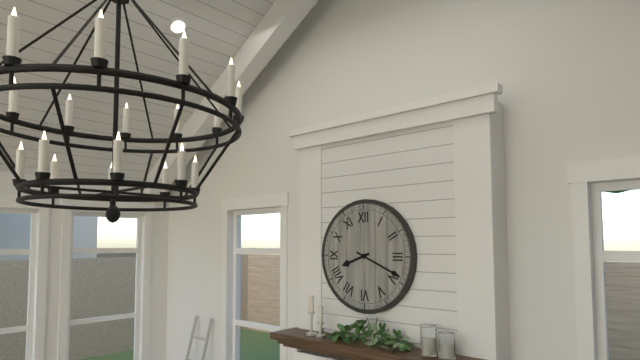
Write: 8,19
